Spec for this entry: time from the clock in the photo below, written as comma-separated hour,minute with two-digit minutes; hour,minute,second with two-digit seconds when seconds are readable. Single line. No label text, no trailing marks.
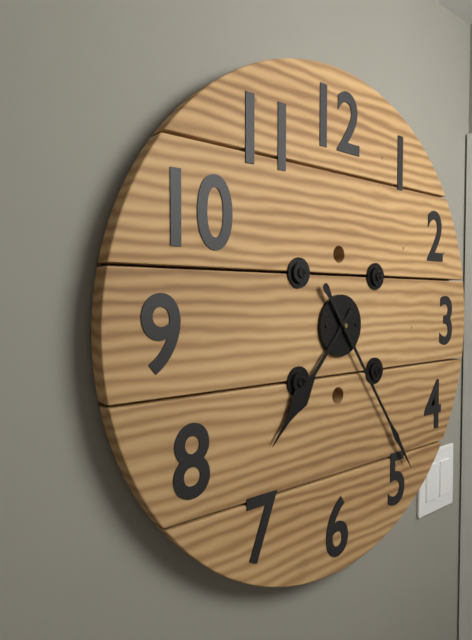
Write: 7,24
